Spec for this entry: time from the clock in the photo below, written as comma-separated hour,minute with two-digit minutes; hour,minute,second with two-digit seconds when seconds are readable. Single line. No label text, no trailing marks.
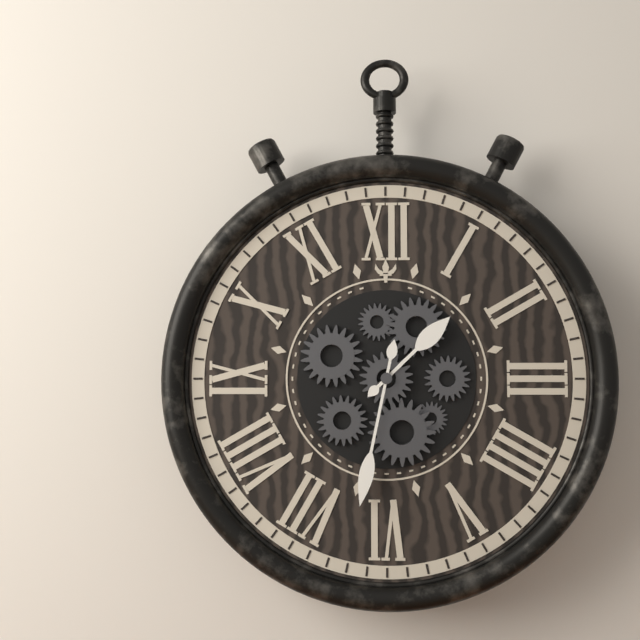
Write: 1,32
